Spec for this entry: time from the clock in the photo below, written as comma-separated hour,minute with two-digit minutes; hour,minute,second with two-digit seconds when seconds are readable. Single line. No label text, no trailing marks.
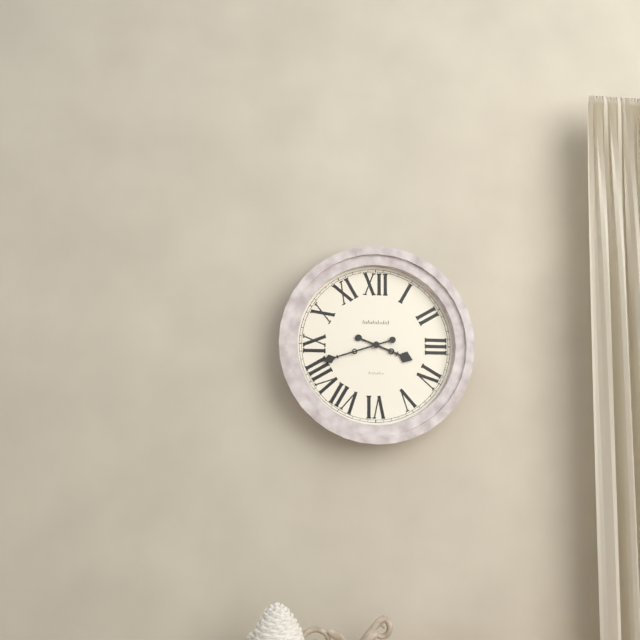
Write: 3,42
